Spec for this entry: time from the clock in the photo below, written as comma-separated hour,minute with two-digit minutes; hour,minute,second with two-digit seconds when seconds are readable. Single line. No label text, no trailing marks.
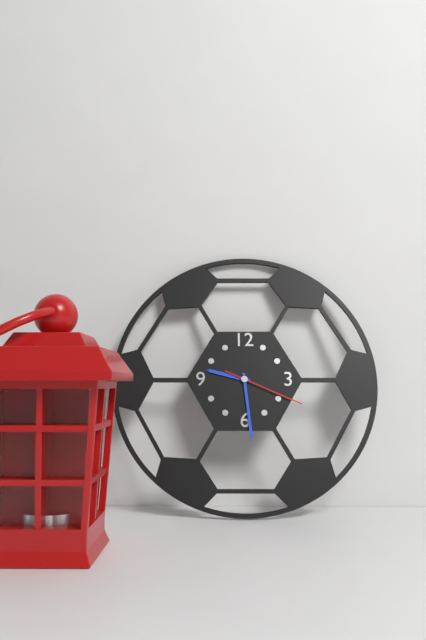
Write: 9,29,19
